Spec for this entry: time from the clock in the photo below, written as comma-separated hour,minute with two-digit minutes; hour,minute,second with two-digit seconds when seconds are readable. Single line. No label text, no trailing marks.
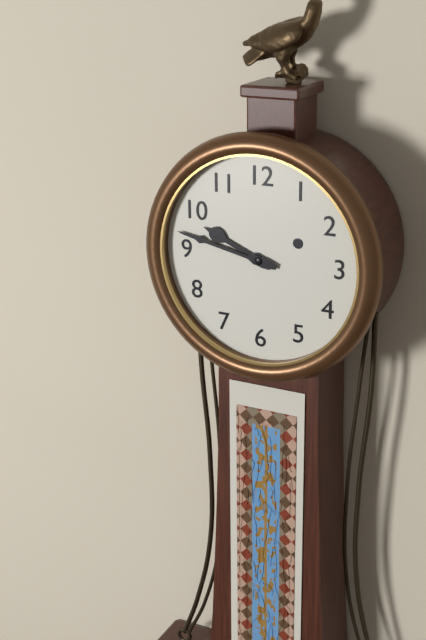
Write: 9,47
